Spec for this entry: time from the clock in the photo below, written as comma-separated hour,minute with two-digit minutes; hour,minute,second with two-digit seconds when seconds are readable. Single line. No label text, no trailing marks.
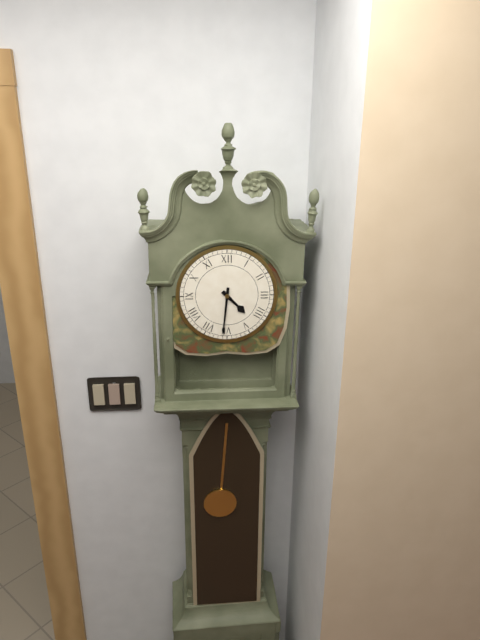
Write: 4,31
